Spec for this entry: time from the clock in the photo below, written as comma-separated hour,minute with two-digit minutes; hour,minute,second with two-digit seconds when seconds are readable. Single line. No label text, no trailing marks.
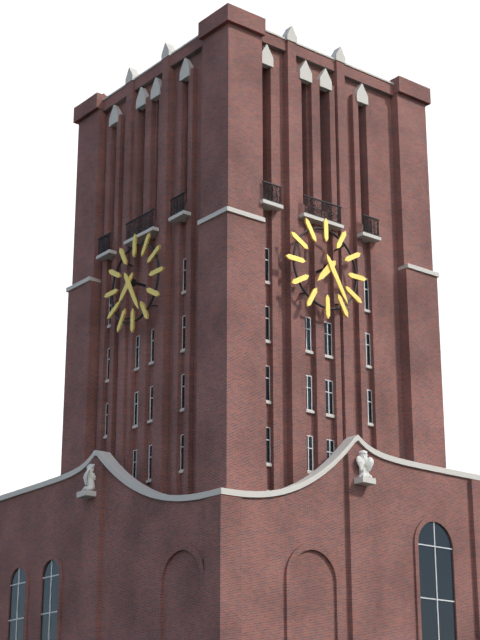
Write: 7,25
